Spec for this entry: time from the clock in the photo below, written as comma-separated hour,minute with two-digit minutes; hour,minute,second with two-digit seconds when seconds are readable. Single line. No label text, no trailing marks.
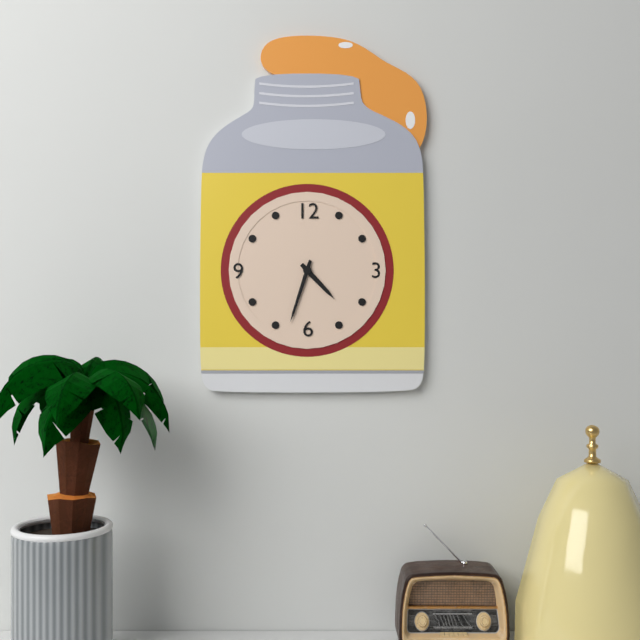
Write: 4,33
